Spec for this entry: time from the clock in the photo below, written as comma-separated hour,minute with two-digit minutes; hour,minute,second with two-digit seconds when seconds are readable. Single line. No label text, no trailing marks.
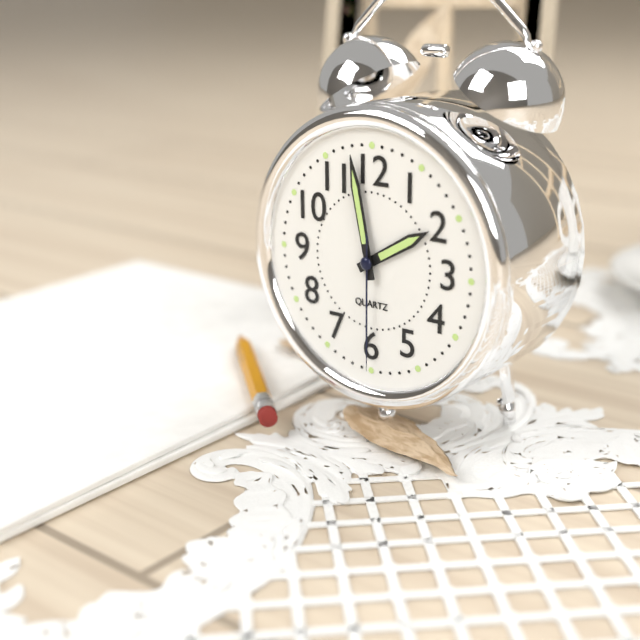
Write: 1,58,30
